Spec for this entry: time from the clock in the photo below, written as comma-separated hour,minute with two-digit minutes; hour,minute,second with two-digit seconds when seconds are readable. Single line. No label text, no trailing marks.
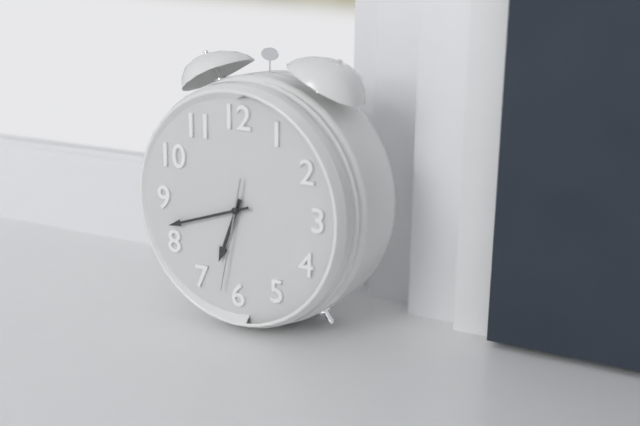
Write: 6,42,32
